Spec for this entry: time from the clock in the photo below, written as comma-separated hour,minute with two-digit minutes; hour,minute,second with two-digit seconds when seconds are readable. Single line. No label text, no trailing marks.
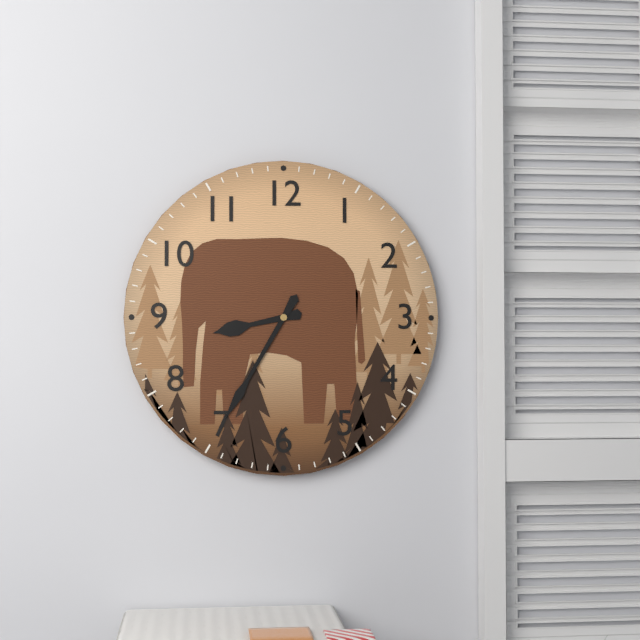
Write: 8,35
